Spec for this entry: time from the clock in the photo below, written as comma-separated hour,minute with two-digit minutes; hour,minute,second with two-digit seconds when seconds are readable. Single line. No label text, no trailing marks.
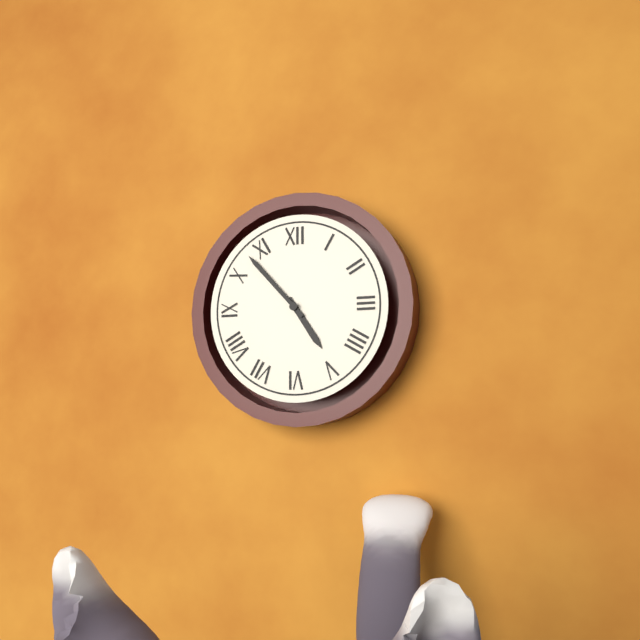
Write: 4,53
